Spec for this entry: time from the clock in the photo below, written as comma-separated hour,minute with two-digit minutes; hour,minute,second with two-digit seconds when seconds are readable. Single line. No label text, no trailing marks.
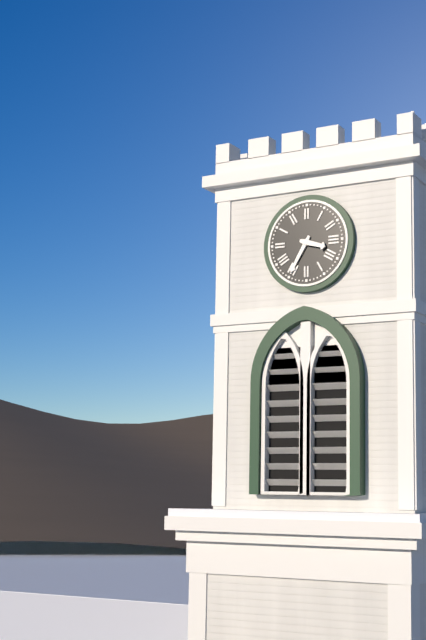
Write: 3,35
